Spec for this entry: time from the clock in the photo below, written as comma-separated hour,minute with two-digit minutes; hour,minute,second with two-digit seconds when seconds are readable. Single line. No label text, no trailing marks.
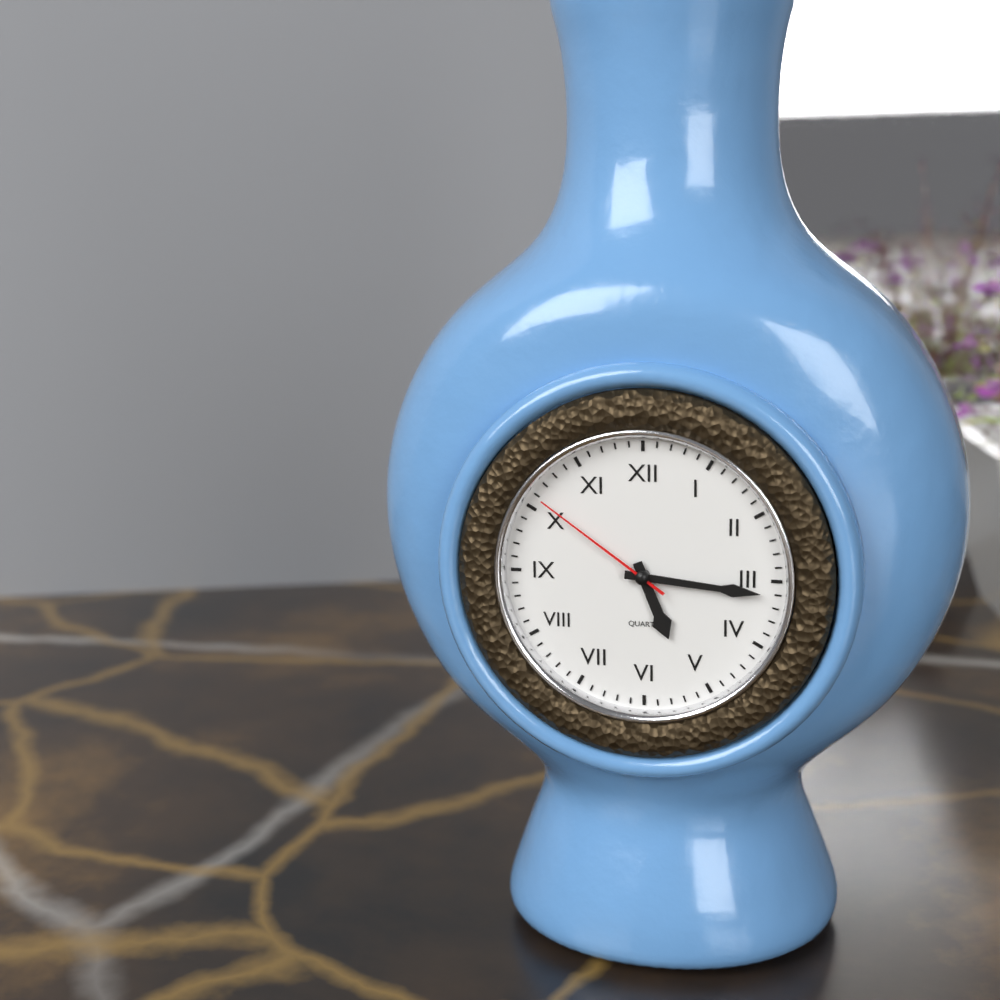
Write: 5,16,51
